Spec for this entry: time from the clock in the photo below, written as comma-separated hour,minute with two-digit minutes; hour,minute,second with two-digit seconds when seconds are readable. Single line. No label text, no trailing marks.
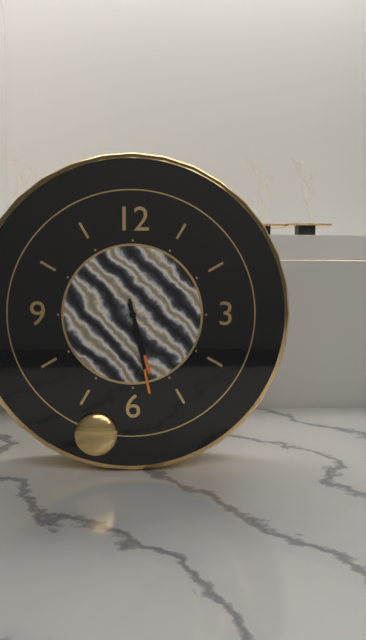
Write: 5,28
